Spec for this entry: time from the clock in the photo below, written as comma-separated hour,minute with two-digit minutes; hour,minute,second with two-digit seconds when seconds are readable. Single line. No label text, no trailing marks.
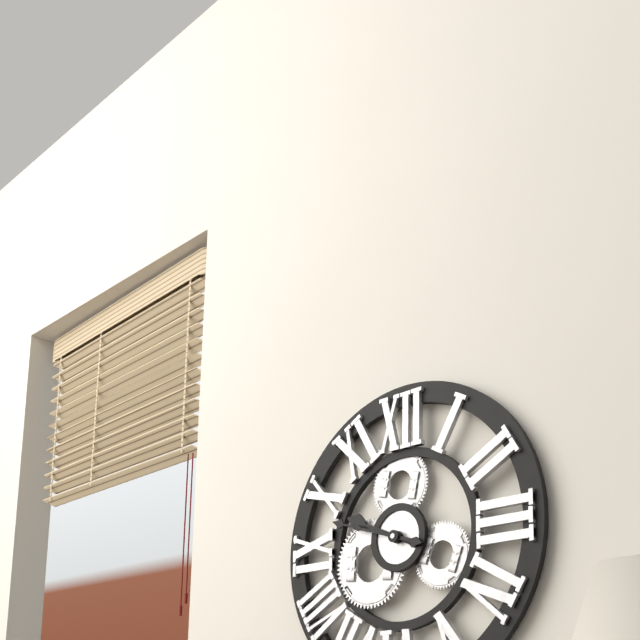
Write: 9,48
